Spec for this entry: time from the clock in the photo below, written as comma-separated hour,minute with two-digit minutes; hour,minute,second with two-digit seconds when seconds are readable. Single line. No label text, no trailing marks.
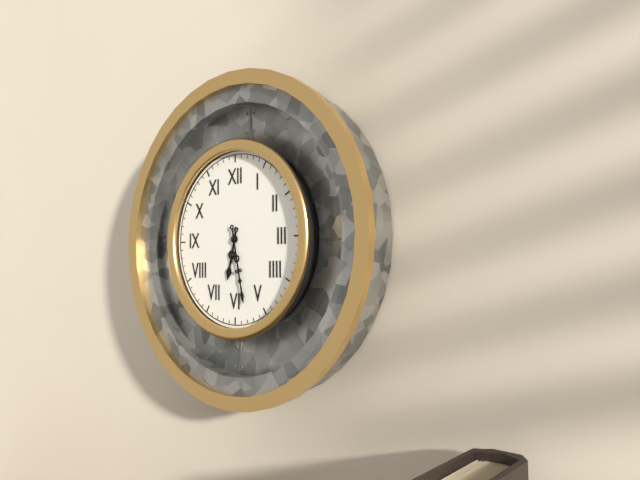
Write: 6,28
